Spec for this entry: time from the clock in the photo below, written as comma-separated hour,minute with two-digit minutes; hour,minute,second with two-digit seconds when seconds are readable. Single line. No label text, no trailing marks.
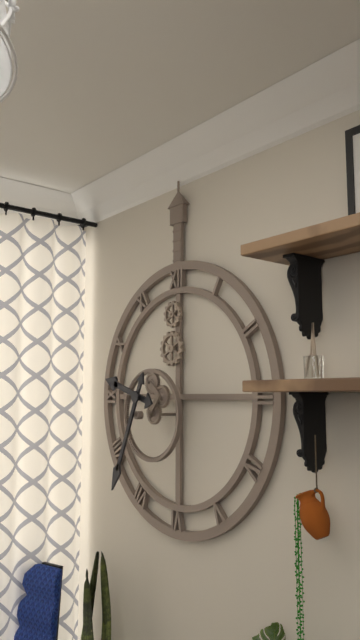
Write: 9,34
